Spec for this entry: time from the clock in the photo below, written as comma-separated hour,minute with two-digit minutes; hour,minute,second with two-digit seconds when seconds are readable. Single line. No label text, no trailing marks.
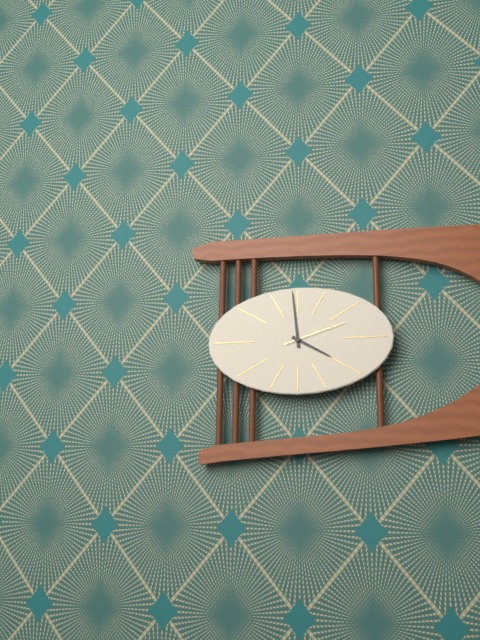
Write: 3,59,12
